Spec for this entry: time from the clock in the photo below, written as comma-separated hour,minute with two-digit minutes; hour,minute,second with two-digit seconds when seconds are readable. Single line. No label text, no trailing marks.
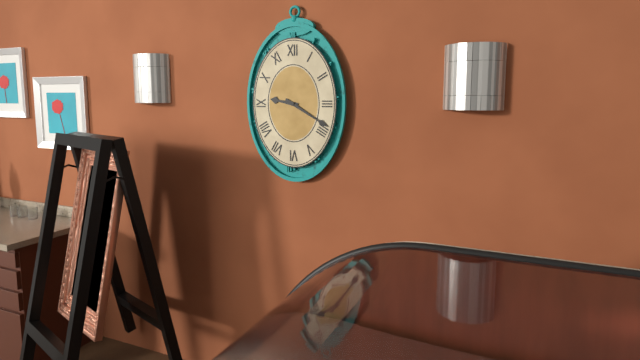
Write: 9,20
